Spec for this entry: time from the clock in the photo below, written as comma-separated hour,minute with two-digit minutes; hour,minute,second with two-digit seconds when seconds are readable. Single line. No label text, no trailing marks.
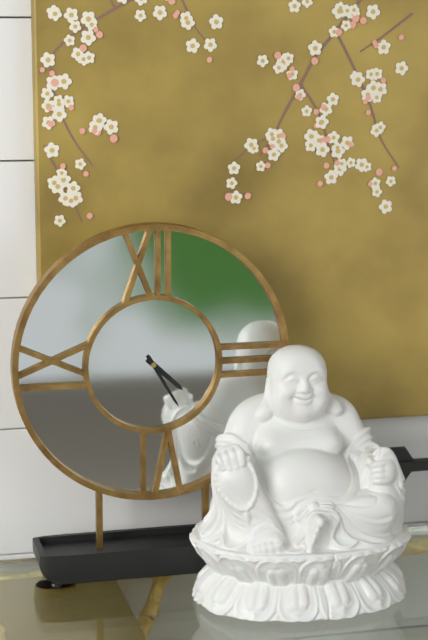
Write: 4,25
